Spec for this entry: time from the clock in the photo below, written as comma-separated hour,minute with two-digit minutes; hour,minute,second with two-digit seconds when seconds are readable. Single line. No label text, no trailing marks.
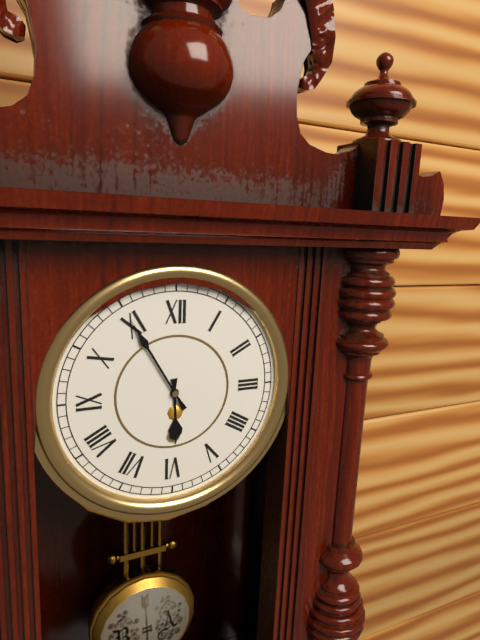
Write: 5,55
